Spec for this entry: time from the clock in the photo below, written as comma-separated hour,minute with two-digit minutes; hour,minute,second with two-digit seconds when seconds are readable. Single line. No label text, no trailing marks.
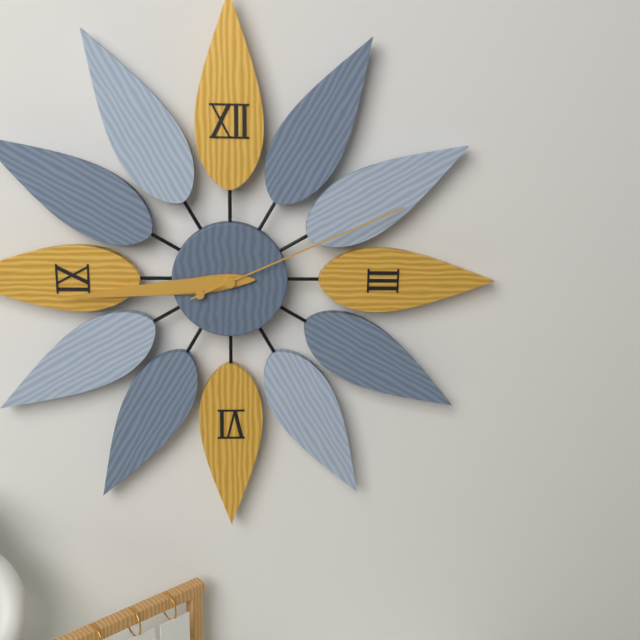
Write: 8,44,11
